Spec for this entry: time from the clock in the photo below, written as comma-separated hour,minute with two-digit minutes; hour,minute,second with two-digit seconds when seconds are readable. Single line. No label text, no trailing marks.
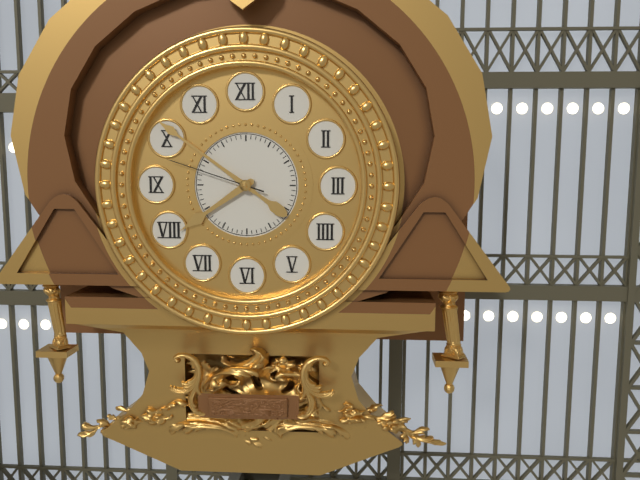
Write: 7,51,48
